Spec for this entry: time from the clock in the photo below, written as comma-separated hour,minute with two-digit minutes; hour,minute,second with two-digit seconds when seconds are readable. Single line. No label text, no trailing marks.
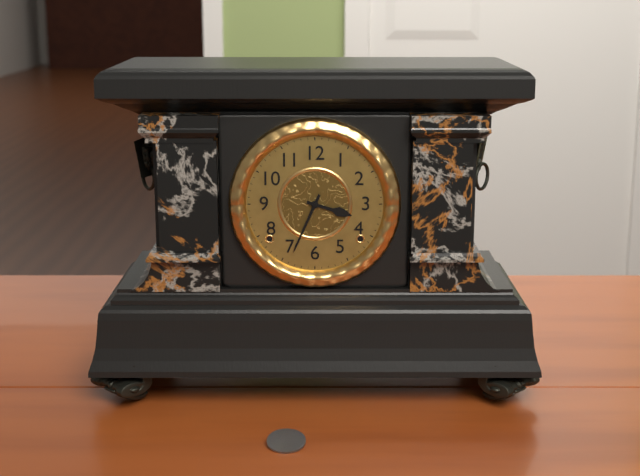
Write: 3,34
